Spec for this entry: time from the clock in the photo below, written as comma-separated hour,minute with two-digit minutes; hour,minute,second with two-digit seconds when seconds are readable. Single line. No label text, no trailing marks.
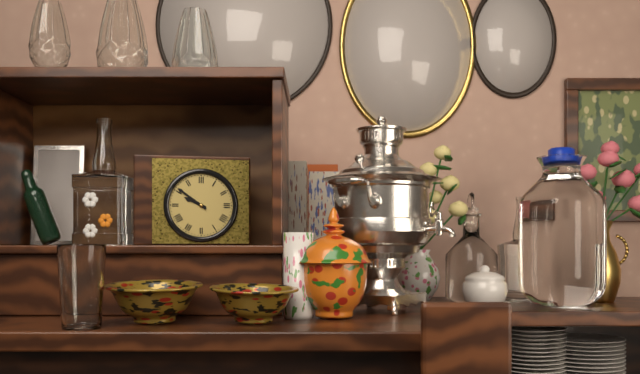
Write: 9,51
